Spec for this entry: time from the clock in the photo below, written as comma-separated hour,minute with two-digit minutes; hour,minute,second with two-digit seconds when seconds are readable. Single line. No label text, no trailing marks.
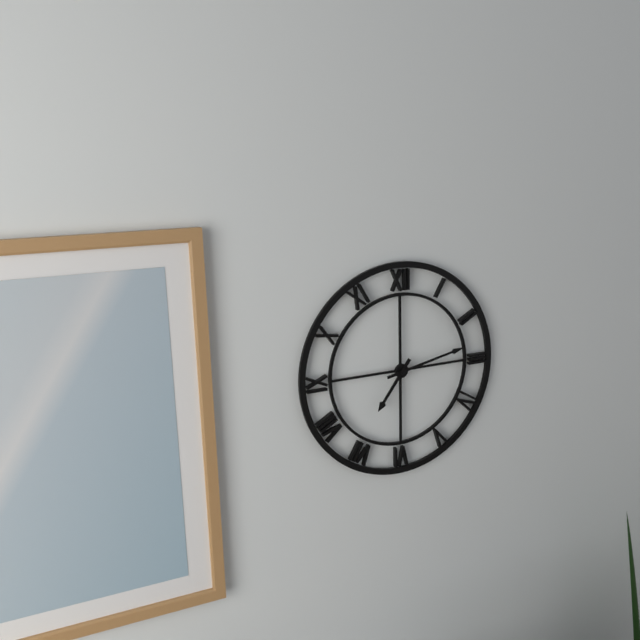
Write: 7,13
